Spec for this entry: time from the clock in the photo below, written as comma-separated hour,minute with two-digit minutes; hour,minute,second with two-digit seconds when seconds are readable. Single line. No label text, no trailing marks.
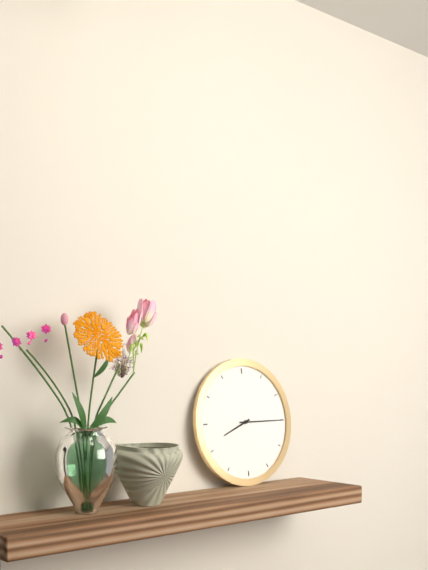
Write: 8,15
